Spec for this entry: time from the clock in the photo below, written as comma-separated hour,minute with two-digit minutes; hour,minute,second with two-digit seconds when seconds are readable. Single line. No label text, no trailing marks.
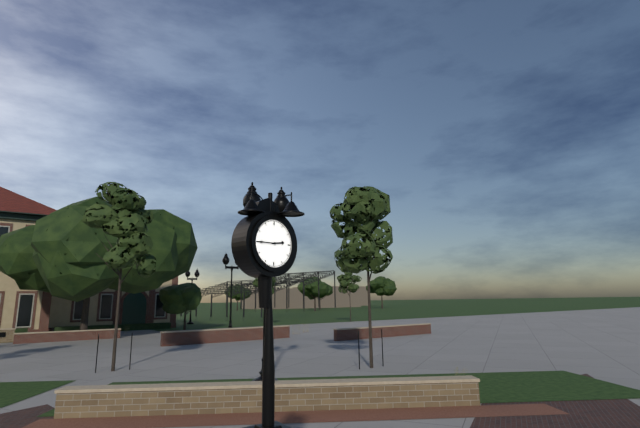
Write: 2,45
